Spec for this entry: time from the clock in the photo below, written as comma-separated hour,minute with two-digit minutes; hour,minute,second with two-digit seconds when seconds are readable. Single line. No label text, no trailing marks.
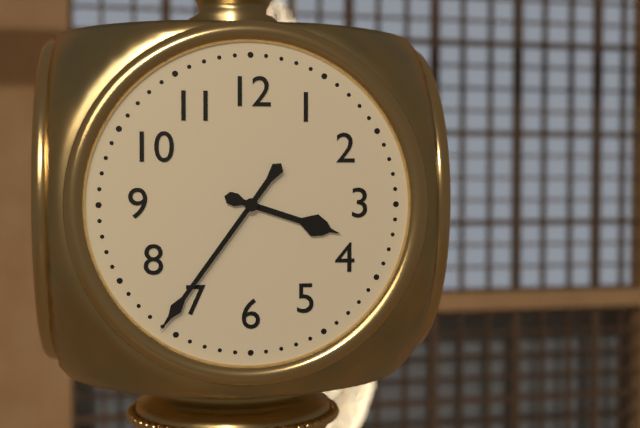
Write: 3,36
